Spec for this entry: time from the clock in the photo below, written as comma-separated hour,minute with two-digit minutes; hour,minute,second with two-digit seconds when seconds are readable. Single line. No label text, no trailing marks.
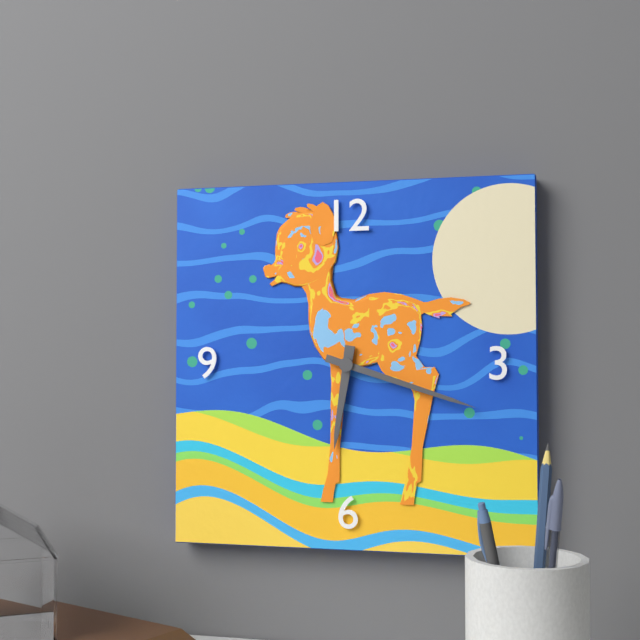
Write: 6,18
